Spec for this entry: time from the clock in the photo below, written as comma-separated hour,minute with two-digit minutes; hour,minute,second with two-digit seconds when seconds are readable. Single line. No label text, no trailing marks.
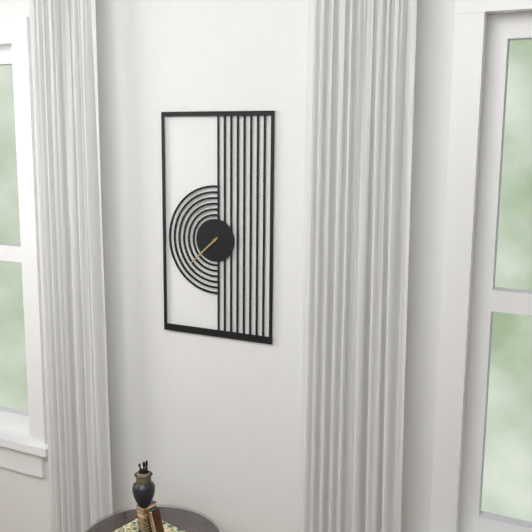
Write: 7,38
